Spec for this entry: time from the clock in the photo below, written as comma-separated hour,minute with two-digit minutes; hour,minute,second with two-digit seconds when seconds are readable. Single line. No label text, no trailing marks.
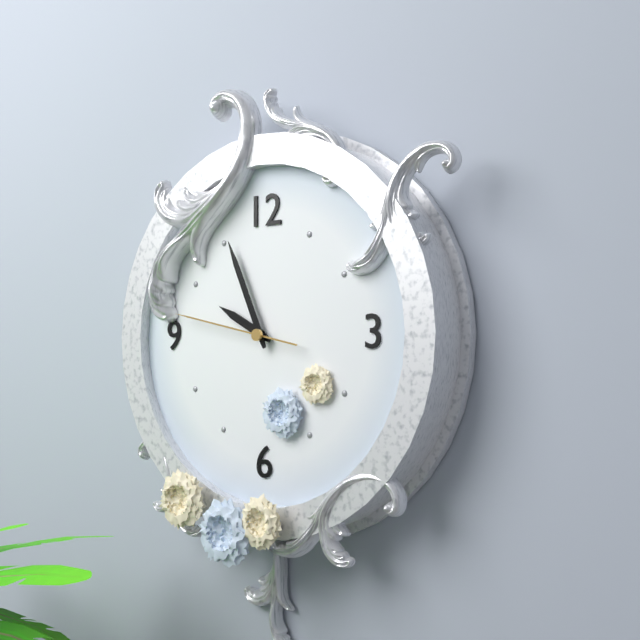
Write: 9,56,47
